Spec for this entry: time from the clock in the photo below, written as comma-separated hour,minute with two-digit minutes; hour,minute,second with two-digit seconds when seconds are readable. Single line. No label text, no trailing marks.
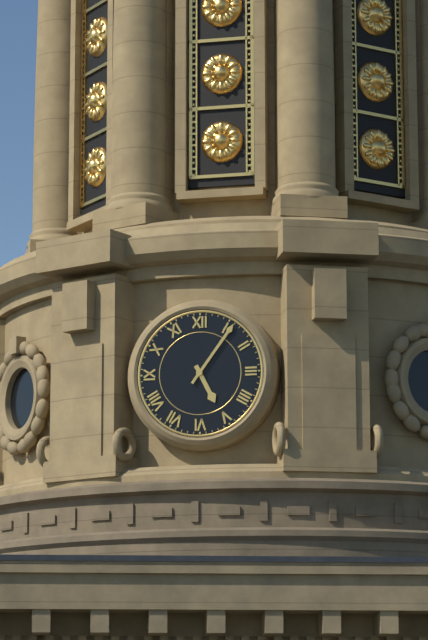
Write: 5,06
